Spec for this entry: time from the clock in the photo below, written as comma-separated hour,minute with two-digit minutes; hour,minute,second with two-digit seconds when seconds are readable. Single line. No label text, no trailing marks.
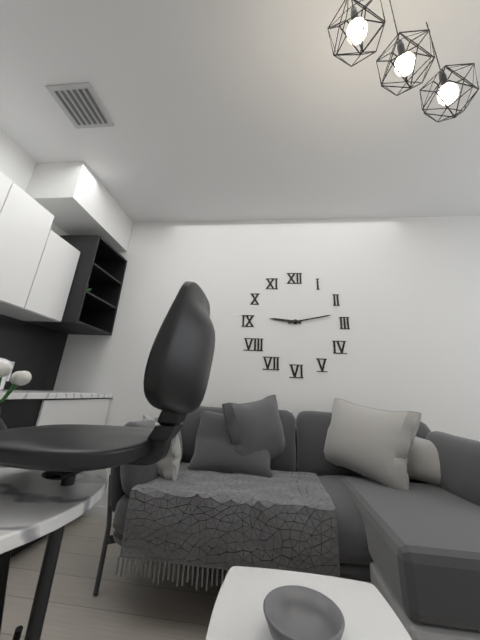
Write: 9,13
